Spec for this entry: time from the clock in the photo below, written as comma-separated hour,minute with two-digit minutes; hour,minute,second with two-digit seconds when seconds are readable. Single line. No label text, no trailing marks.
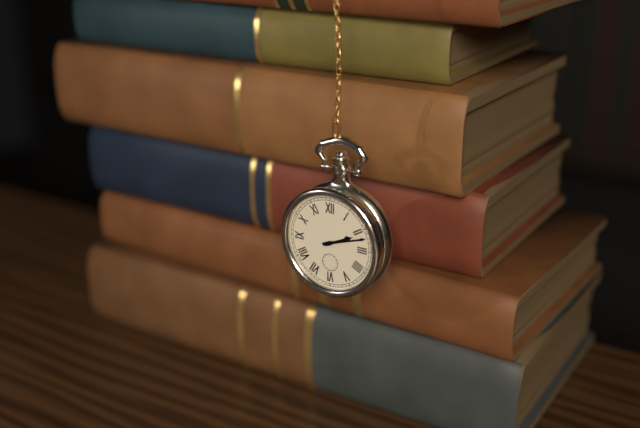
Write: 2,12
